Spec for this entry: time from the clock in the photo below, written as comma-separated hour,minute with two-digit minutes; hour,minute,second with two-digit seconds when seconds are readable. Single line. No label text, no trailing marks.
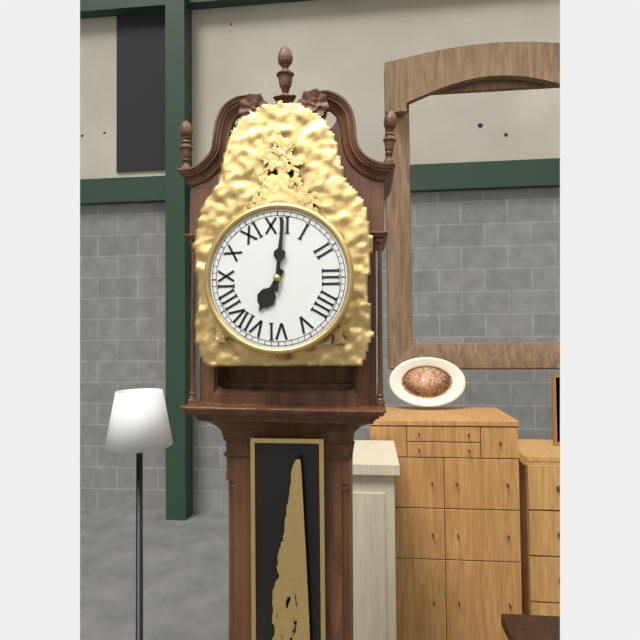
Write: 7,01
